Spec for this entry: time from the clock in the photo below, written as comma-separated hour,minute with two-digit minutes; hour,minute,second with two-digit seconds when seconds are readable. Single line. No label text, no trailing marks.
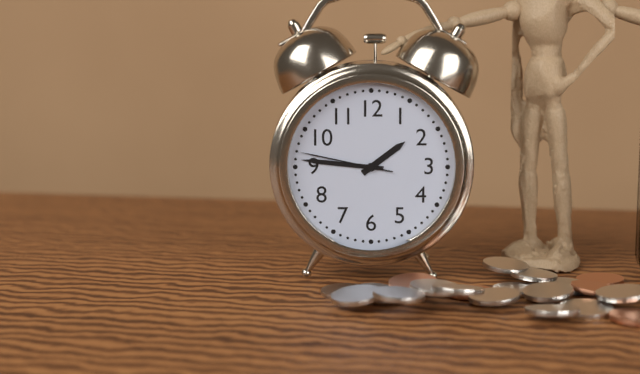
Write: 1,46,47
